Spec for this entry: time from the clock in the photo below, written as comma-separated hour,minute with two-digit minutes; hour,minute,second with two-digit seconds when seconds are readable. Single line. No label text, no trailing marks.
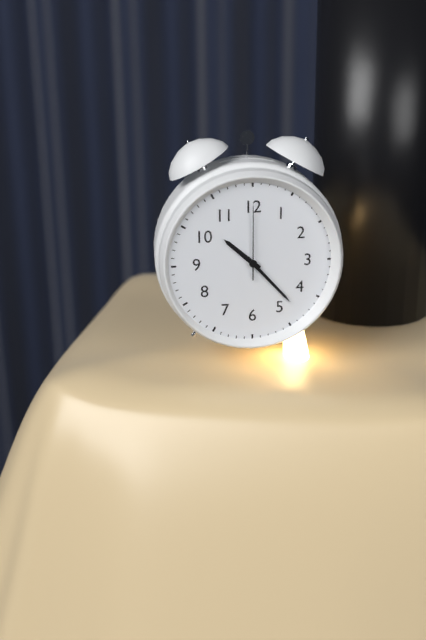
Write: 10,23,00
